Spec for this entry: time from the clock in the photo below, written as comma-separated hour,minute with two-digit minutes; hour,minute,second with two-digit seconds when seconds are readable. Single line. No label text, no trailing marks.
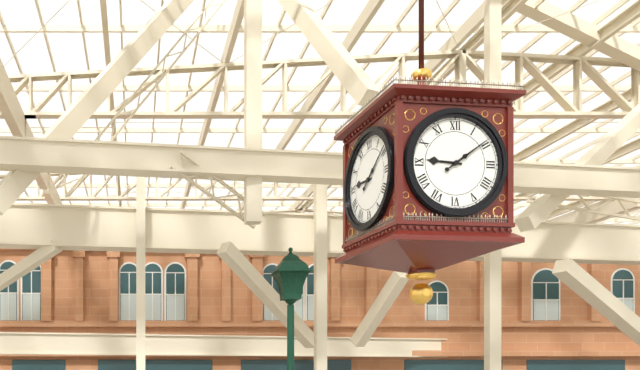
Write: 9,09
